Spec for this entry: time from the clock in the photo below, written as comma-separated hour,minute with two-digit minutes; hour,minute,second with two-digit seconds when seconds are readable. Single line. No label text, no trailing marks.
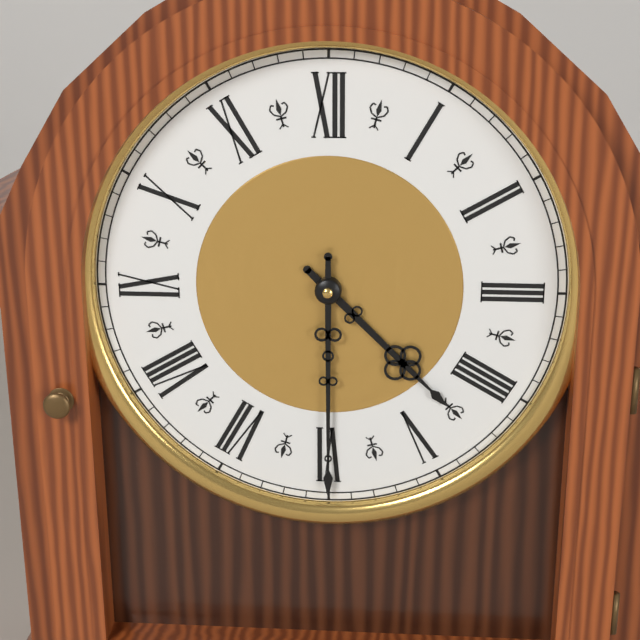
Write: 4,30
